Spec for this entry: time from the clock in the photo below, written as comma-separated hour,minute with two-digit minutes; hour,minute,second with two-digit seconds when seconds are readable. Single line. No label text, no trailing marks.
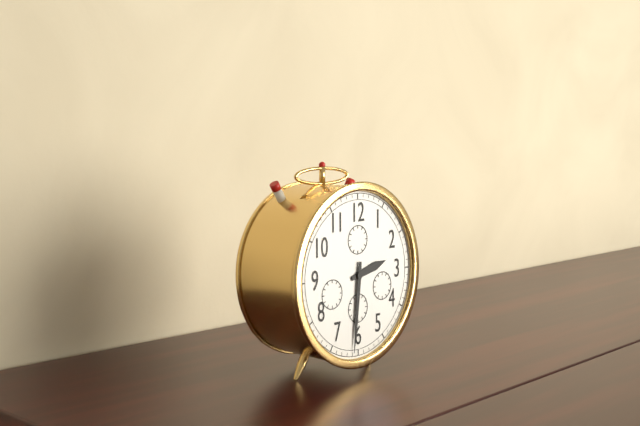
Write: 2,31
